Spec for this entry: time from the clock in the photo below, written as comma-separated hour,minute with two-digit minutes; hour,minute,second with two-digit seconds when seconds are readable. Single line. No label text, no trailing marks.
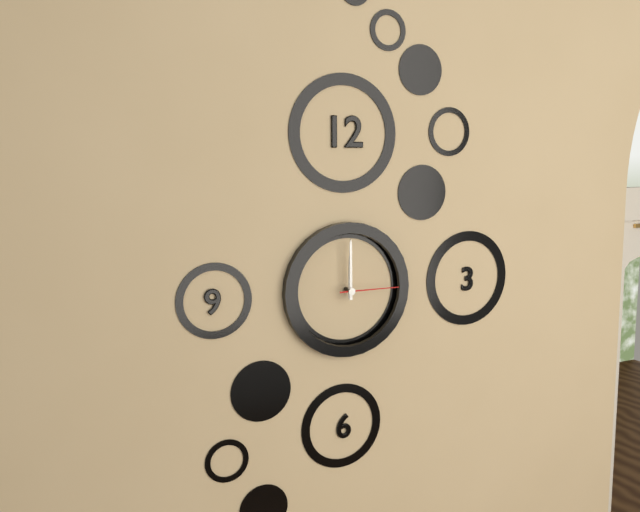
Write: 12,00,15
